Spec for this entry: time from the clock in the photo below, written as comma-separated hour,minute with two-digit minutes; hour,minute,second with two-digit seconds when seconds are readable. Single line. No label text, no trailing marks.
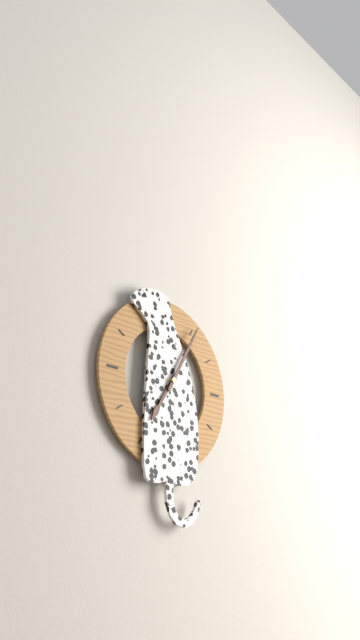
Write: 7,05
